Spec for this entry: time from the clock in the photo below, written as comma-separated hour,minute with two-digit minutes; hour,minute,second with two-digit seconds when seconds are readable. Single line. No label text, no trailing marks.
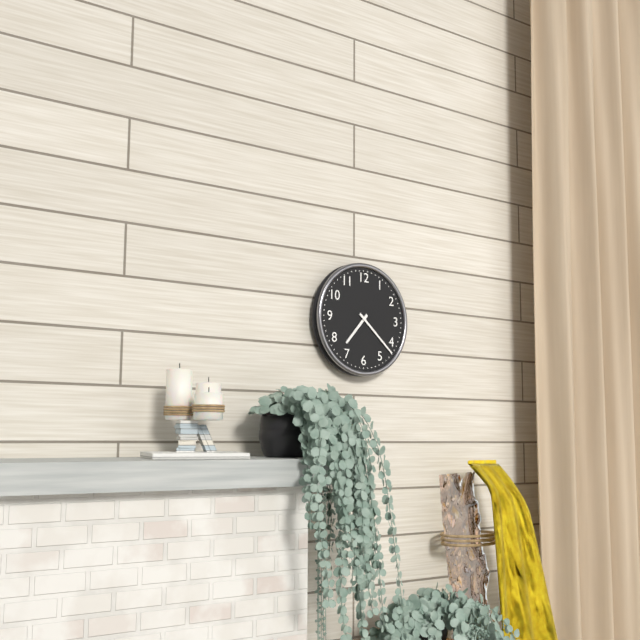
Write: 7,22
